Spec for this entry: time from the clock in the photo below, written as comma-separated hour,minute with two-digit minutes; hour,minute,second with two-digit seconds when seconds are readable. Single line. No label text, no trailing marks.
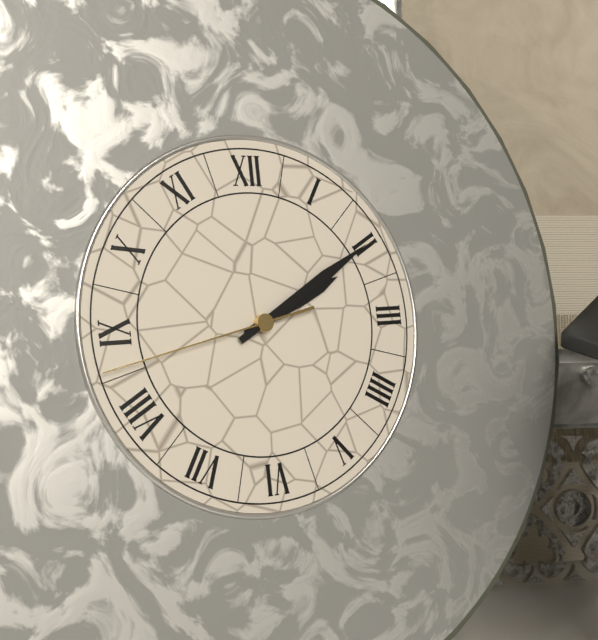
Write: 2,10,43
